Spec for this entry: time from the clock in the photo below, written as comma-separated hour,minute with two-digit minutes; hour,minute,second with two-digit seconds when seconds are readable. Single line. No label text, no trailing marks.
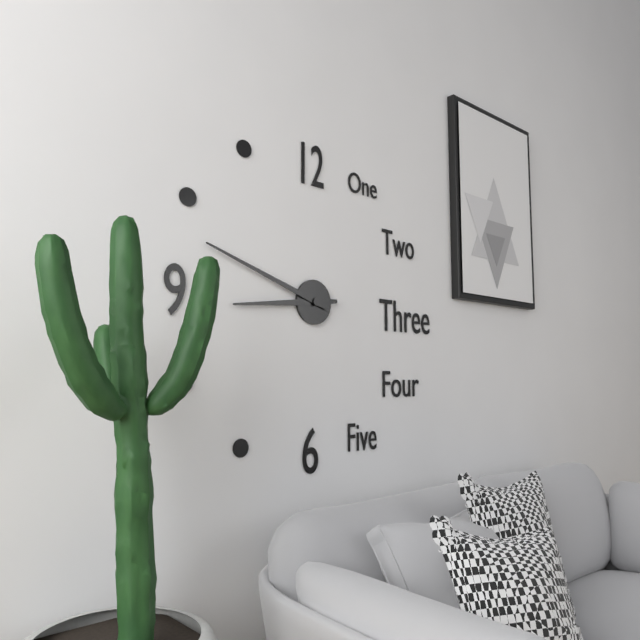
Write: 8,48
